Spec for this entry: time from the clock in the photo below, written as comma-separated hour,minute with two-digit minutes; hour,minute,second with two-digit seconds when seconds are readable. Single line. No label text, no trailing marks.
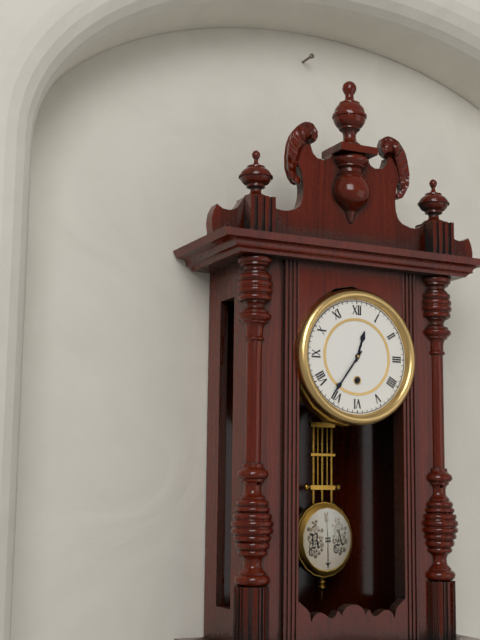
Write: 12,36
